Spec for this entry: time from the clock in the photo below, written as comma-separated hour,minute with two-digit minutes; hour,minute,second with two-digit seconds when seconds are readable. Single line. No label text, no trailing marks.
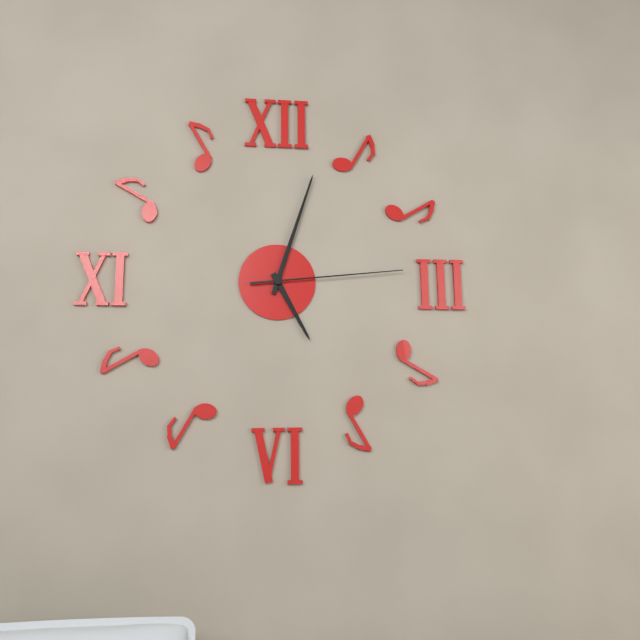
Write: 5,03,14
